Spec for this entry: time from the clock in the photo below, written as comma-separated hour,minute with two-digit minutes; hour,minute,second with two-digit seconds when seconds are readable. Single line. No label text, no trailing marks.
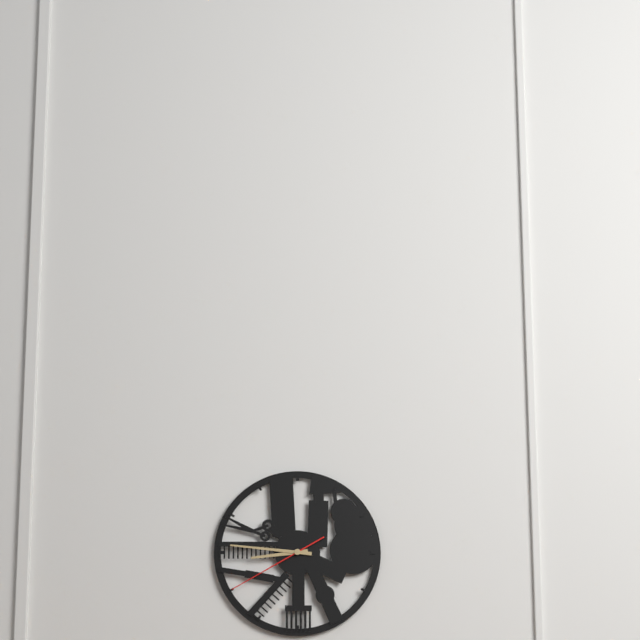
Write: 8,46,40
